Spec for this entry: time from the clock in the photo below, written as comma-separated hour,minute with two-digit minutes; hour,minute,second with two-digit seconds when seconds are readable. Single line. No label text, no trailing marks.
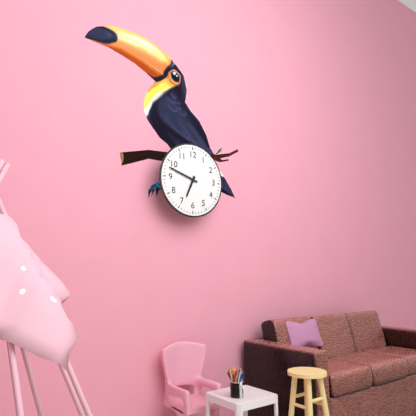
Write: 6,48
